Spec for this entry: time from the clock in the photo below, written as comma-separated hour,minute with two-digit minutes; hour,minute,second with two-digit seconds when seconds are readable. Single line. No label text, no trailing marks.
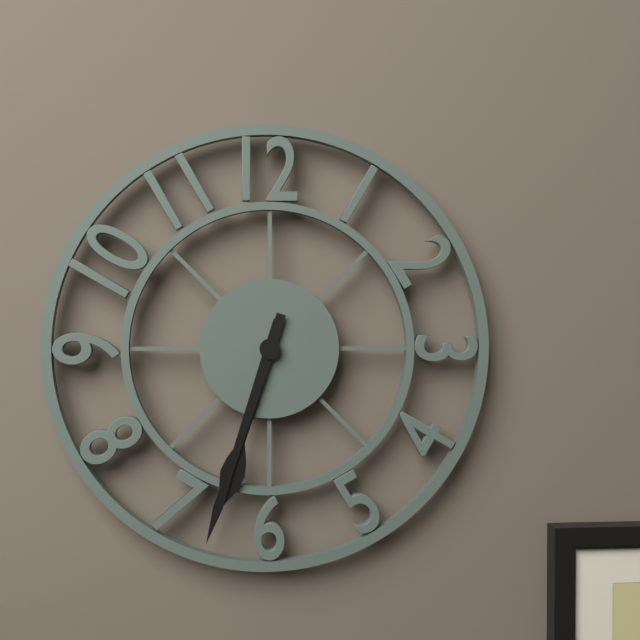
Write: 6,33
